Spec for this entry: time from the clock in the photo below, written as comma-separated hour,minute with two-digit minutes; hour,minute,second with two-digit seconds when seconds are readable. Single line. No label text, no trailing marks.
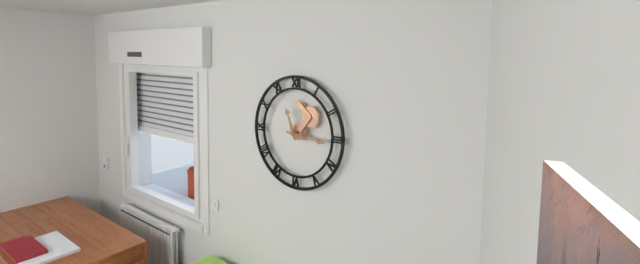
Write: 11,16
